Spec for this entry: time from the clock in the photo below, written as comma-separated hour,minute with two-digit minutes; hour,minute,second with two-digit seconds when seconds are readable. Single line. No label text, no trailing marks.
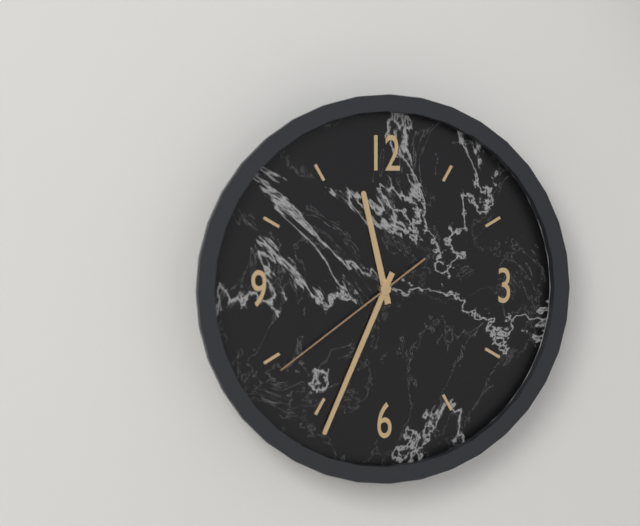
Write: 11,34,39
